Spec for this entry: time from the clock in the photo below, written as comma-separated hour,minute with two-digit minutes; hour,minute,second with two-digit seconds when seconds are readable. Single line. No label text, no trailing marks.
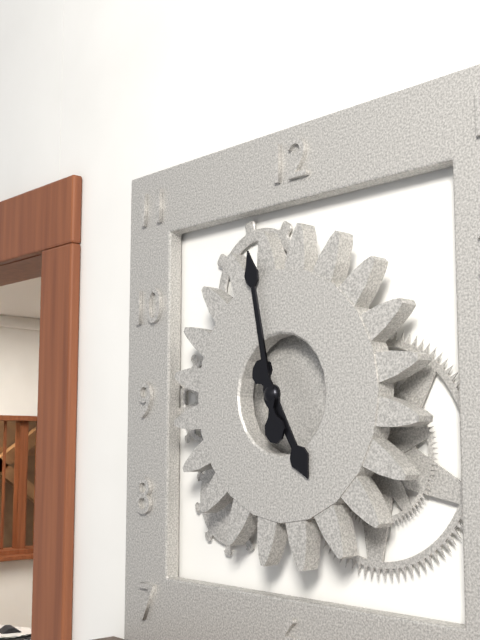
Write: 4,58
